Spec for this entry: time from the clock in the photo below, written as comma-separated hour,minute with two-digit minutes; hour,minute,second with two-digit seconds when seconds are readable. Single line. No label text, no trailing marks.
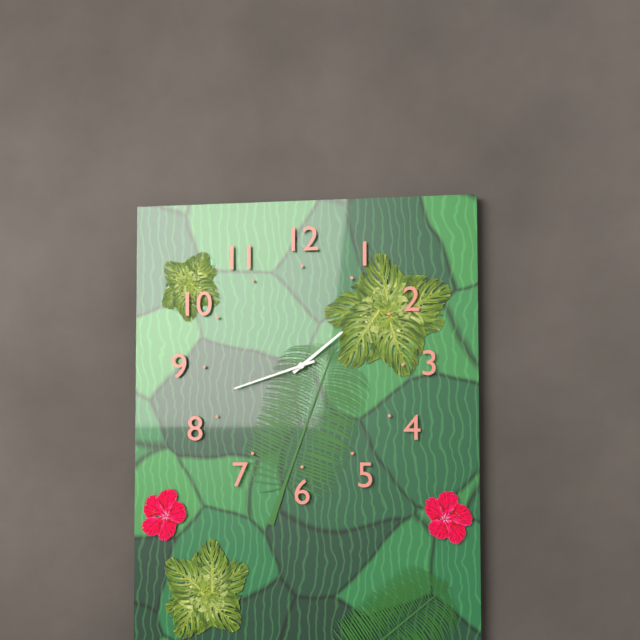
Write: 1,42
